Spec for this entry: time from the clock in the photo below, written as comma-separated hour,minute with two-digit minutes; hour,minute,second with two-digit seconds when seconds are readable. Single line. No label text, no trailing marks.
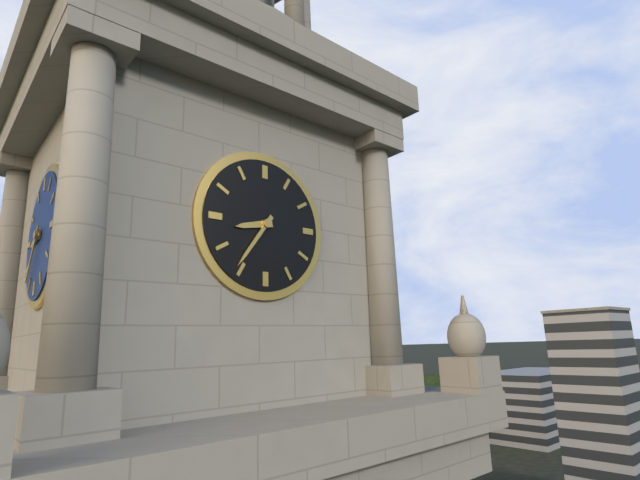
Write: 8,36
